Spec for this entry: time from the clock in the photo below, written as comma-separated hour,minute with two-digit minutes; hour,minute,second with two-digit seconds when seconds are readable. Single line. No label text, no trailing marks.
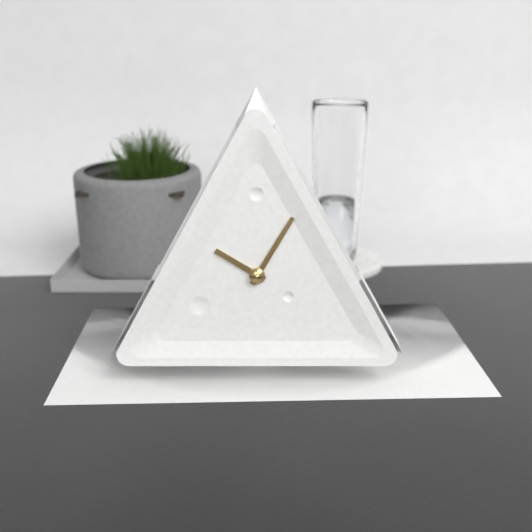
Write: 10,05
